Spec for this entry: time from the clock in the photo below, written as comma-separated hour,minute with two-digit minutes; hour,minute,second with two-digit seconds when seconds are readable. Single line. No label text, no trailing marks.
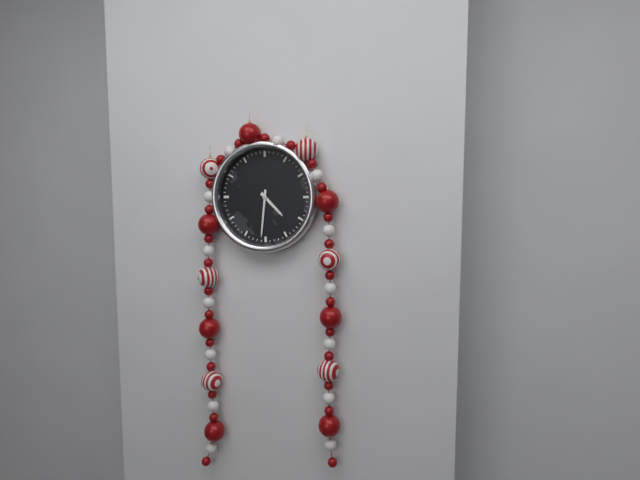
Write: 4,31
